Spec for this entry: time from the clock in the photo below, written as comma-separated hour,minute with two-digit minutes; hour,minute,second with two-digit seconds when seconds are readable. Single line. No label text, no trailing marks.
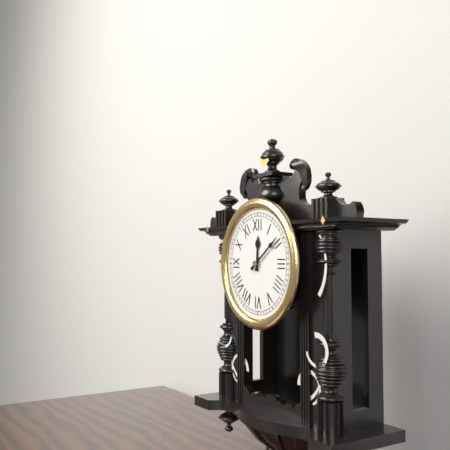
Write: 12,09
